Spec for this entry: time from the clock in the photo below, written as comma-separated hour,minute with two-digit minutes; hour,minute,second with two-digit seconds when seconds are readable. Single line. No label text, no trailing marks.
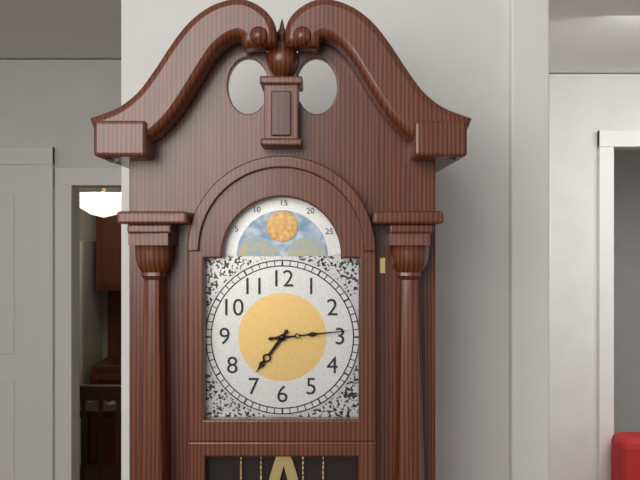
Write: 7,14
